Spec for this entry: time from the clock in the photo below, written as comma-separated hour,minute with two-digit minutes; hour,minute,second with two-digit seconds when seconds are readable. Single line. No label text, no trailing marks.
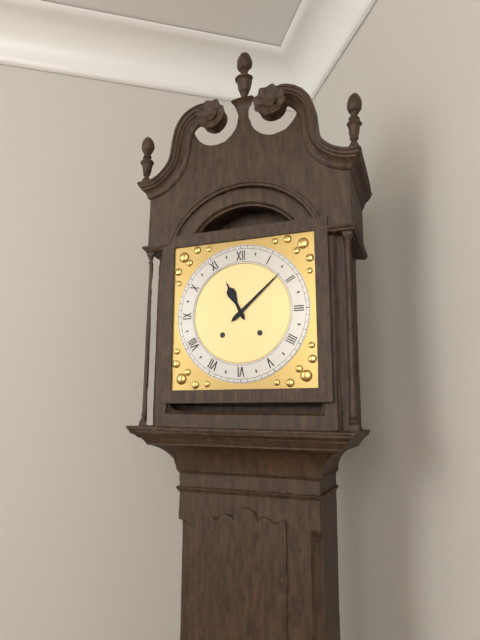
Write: 11,08
